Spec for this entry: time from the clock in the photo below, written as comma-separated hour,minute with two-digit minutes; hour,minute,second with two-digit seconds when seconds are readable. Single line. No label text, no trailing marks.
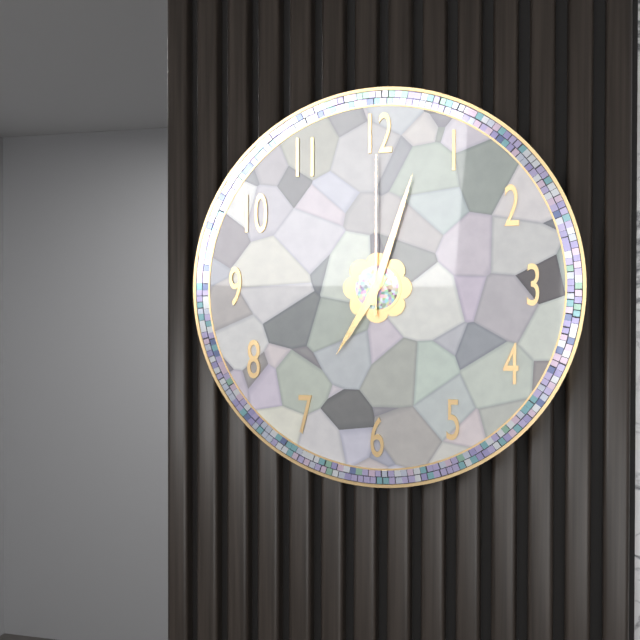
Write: 7,03,00
